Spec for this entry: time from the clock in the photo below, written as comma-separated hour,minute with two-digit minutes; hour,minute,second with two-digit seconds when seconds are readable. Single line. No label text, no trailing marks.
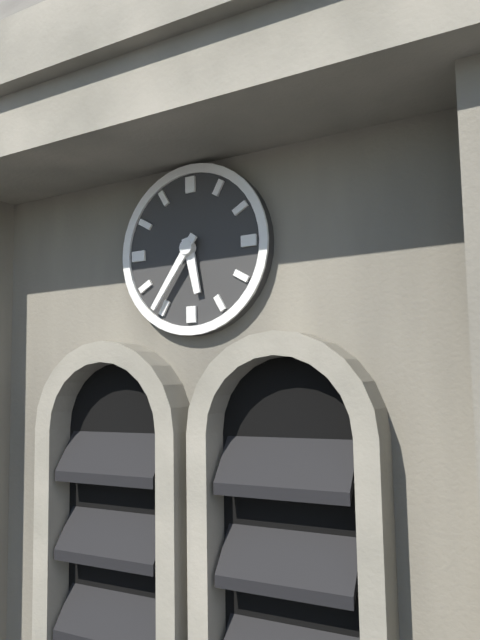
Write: 5,36
